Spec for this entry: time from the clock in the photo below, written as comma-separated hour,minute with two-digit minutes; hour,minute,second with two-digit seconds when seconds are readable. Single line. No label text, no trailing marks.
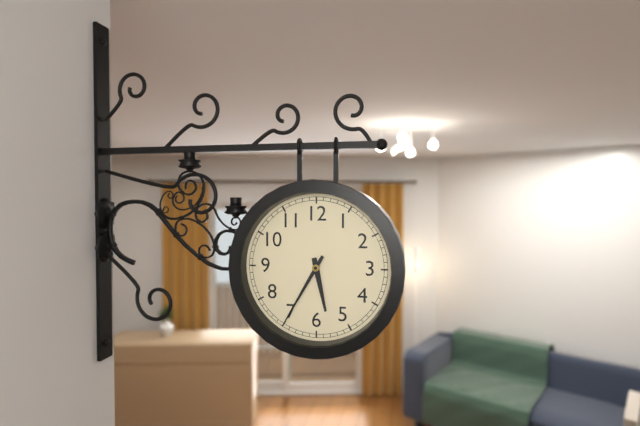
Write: 5,35
